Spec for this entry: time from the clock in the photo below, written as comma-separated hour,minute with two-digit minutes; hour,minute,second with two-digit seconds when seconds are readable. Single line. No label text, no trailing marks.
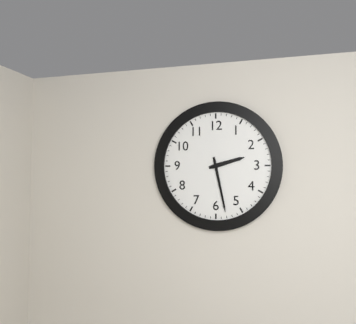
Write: 2,28
